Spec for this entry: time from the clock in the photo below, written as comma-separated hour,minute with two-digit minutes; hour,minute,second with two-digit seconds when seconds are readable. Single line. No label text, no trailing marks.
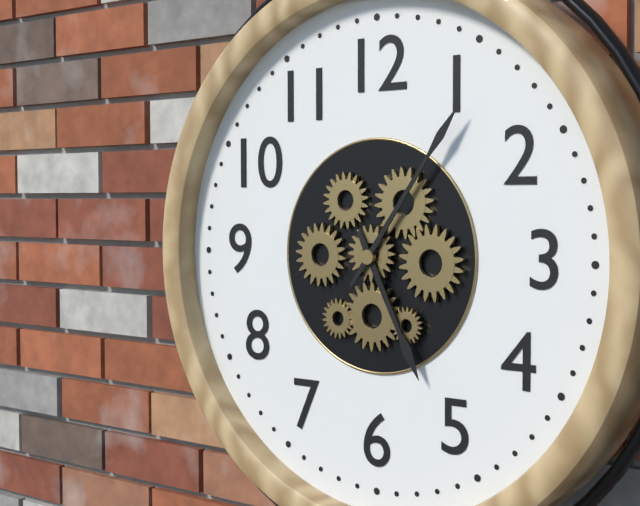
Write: 5,06
